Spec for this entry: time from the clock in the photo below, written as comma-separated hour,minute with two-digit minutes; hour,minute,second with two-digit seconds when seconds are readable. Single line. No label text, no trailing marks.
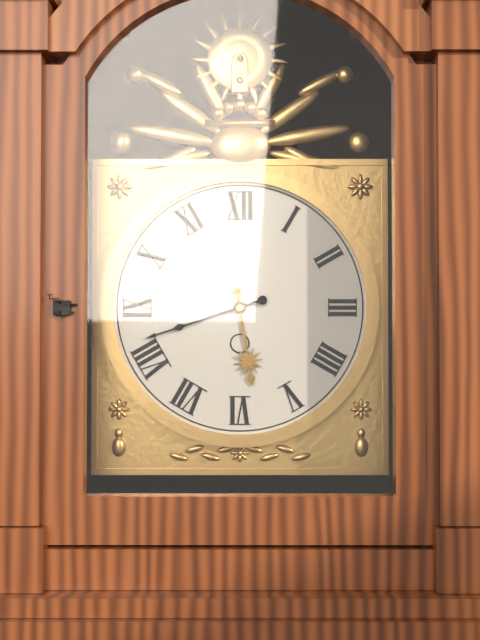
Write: 5,42
